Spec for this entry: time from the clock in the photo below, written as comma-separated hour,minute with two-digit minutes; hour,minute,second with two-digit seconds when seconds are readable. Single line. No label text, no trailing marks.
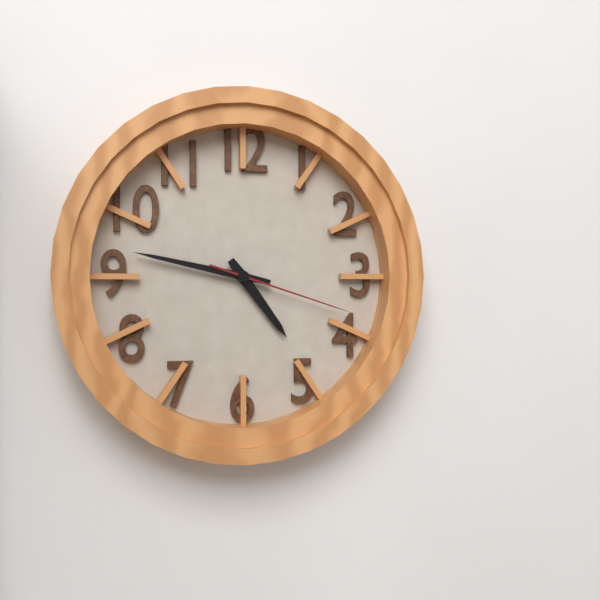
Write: 4,47,18
